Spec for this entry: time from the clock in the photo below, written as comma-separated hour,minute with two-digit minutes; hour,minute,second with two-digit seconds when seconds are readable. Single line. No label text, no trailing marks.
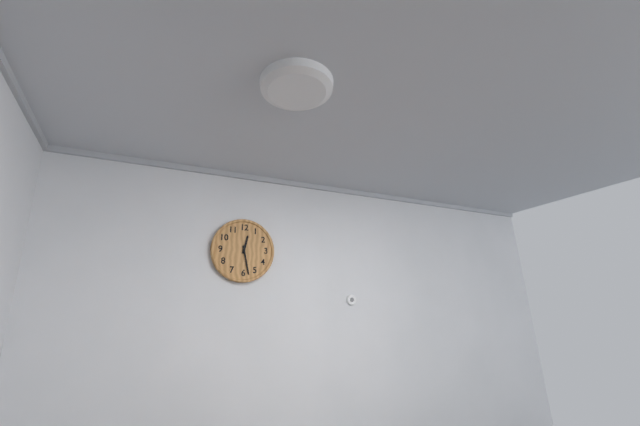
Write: 12,28
